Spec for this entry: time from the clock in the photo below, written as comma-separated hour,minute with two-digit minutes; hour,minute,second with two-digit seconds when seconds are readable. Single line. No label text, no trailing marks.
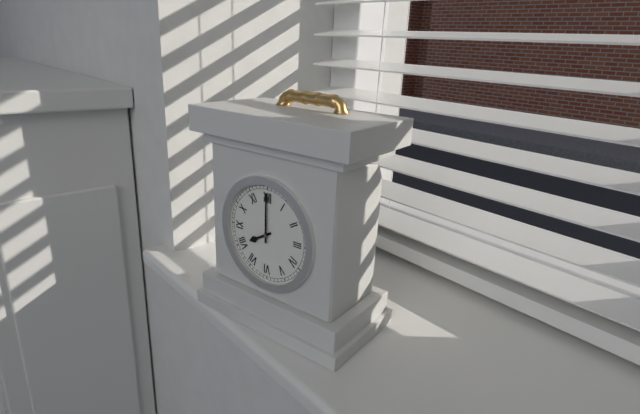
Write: 8,00
